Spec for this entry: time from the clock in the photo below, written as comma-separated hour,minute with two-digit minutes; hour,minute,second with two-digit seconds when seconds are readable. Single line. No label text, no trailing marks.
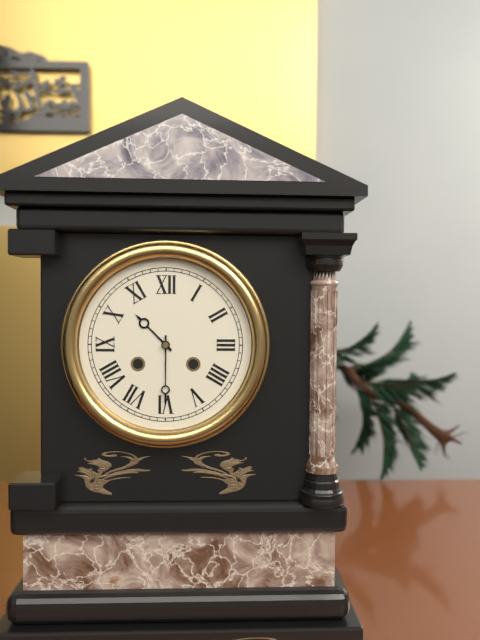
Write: 10,30
